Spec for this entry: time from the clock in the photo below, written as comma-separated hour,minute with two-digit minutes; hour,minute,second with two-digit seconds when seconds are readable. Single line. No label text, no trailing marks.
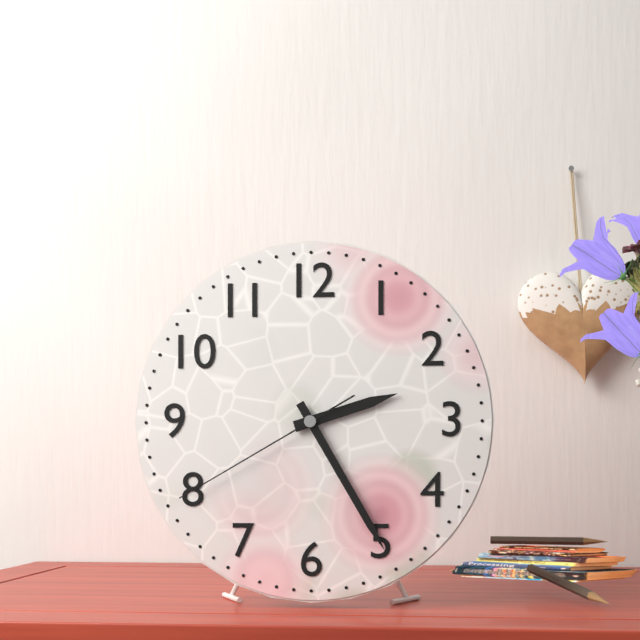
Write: 2,25,40
